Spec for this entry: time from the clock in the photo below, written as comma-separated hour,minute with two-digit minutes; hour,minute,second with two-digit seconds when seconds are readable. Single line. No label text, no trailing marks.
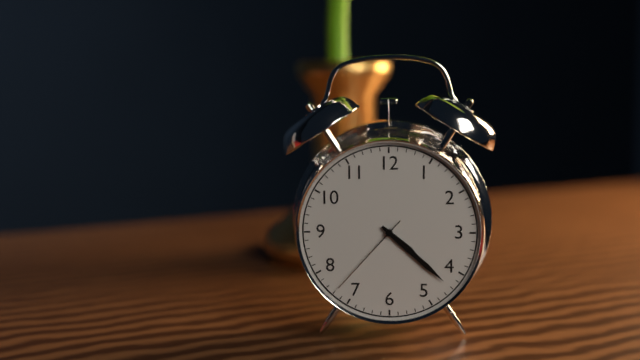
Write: 4,22,37
